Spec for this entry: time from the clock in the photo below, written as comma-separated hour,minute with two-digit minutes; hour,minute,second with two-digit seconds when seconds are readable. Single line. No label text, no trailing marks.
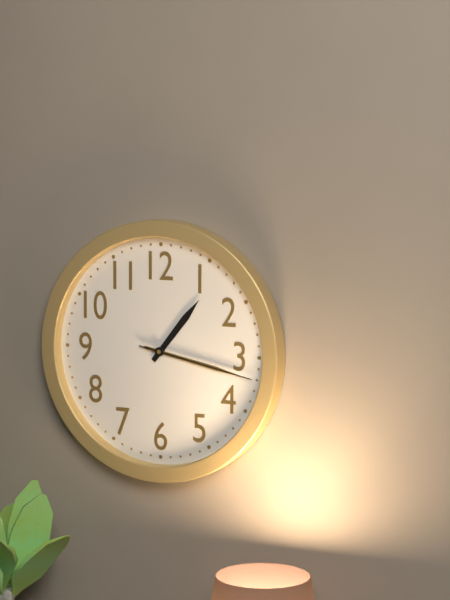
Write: 1,17,17
